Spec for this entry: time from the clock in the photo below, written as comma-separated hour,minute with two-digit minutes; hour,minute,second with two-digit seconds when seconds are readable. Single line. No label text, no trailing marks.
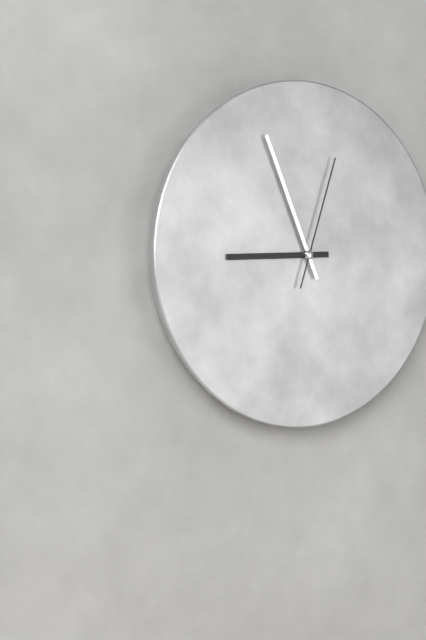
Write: 8,56,03
